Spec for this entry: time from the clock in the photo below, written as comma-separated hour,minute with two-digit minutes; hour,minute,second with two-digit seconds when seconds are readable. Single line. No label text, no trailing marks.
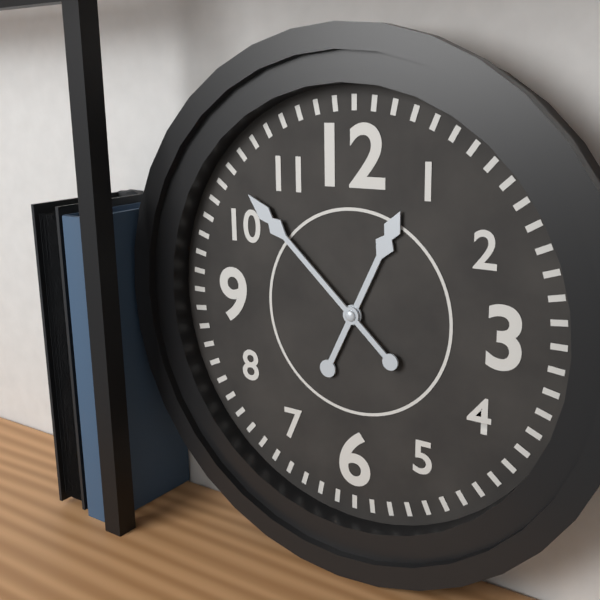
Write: 12,52
